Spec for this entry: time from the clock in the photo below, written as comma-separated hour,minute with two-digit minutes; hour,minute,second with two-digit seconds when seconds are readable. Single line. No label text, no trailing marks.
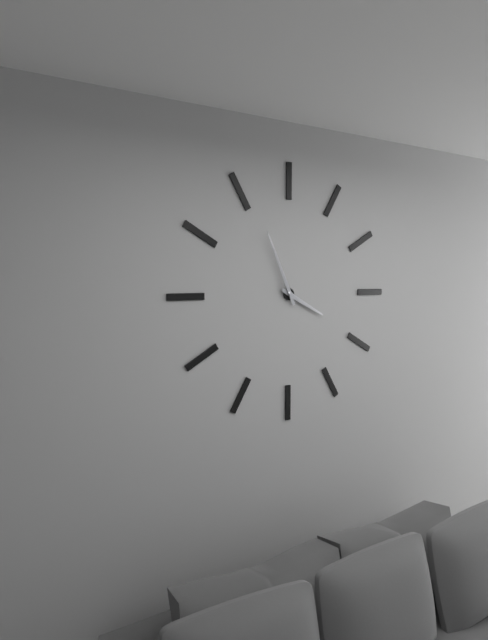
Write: 3,56
